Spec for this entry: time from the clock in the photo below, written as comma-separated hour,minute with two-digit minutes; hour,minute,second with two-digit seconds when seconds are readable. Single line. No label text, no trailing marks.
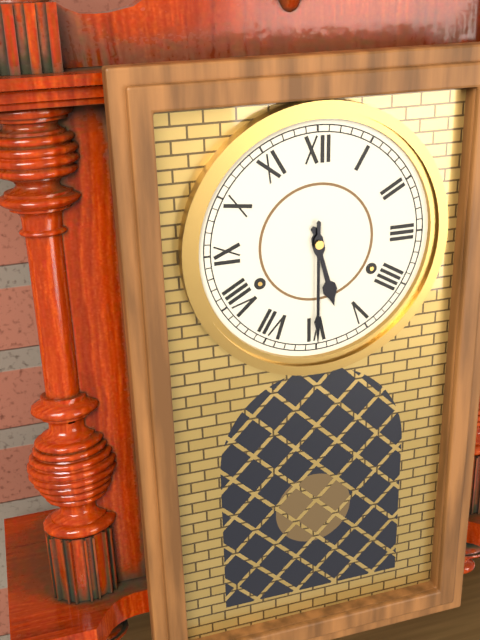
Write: 5,30
